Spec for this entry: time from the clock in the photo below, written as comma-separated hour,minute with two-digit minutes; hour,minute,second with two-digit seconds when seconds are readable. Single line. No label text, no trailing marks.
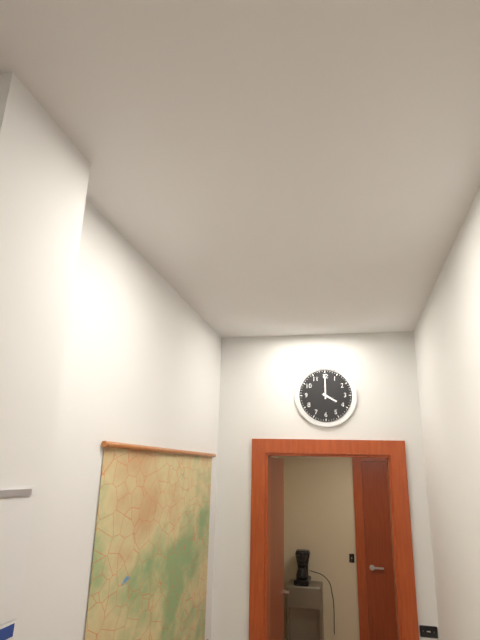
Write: 4,00
